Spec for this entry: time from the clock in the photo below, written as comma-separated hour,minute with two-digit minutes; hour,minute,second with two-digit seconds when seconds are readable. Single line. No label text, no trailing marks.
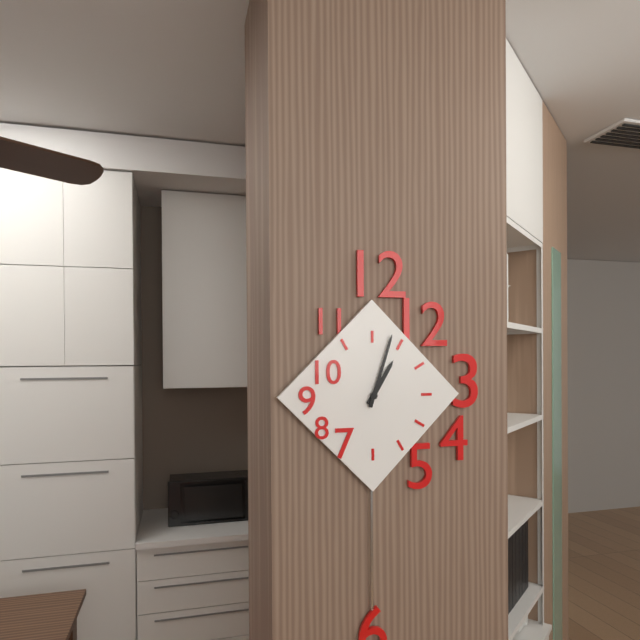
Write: 1,03
